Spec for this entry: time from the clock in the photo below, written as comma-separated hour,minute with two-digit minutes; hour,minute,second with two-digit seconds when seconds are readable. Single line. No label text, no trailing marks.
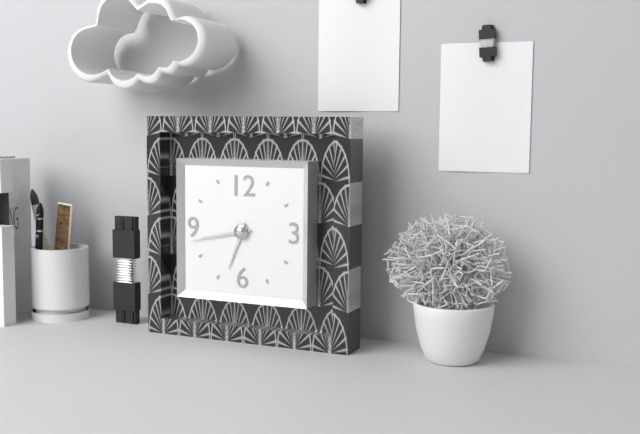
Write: 6,43
